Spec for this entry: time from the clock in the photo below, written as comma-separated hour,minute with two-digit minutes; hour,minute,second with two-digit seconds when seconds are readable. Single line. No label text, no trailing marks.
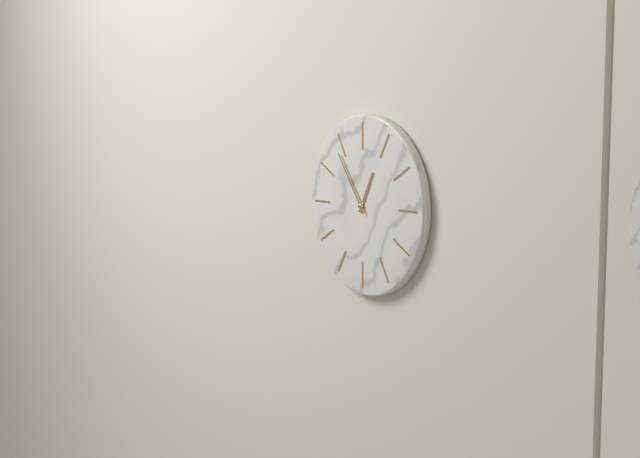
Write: 12,54
